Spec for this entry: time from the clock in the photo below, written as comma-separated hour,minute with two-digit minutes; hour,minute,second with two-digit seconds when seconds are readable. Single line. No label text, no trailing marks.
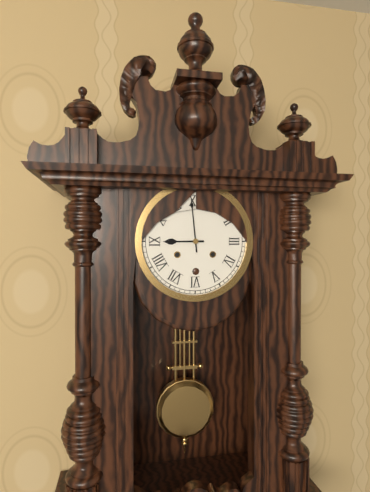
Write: 8,59
